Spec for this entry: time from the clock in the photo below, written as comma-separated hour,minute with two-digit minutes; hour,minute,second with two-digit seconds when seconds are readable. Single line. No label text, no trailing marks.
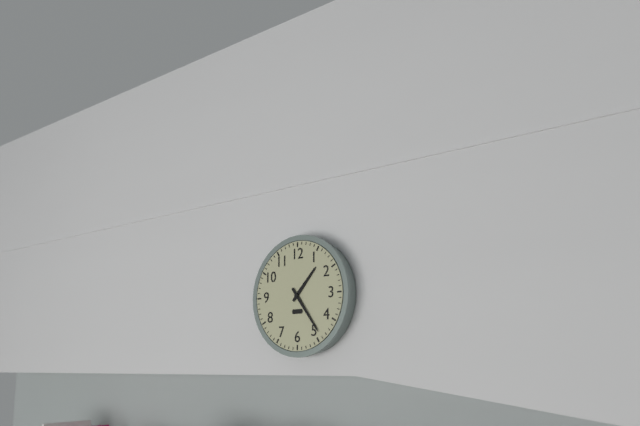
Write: 1,24
